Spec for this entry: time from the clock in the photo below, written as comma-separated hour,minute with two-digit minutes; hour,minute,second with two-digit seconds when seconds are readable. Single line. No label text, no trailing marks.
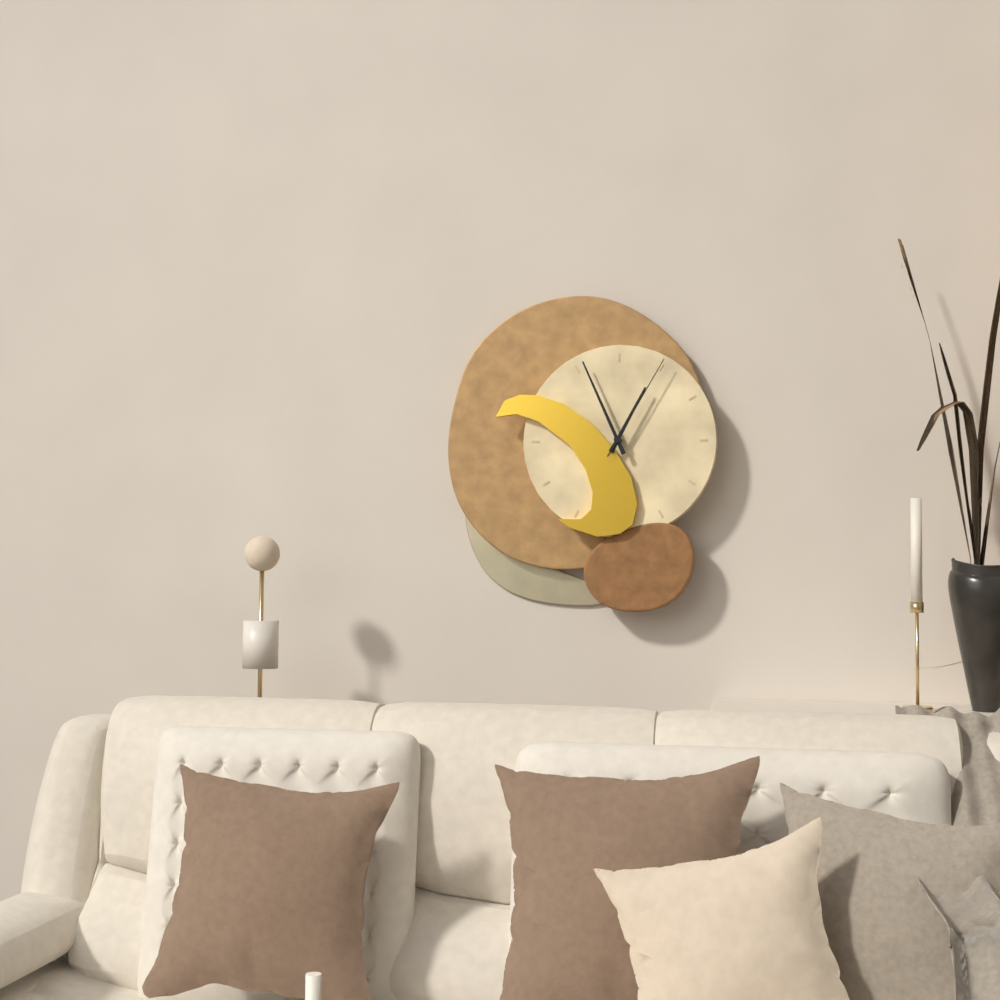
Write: 12,56,05
